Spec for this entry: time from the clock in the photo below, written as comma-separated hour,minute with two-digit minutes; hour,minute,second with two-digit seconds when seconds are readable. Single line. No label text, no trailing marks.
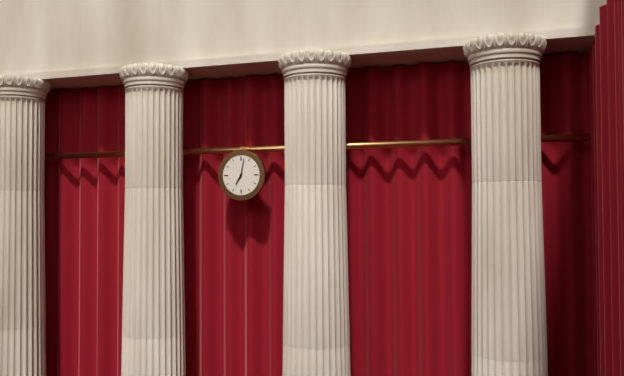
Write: 7,02
